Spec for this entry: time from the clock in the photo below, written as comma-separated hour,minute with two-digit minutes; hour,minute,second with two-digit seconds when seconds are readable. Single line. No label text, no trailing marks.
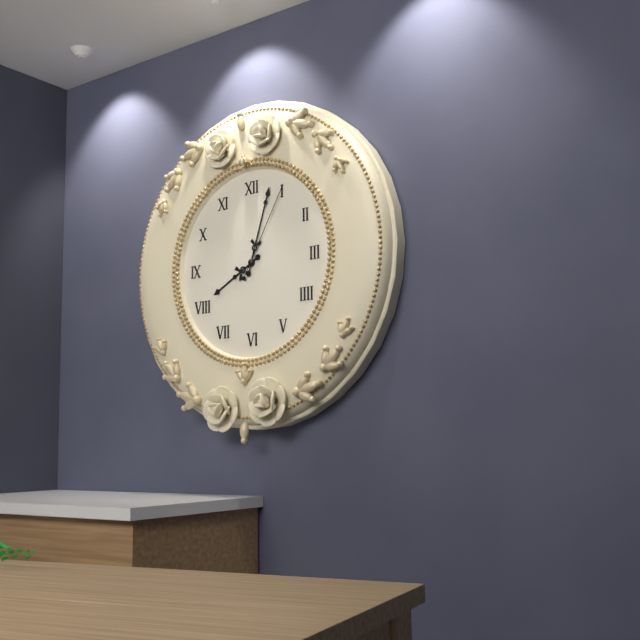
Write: 8,03,05
